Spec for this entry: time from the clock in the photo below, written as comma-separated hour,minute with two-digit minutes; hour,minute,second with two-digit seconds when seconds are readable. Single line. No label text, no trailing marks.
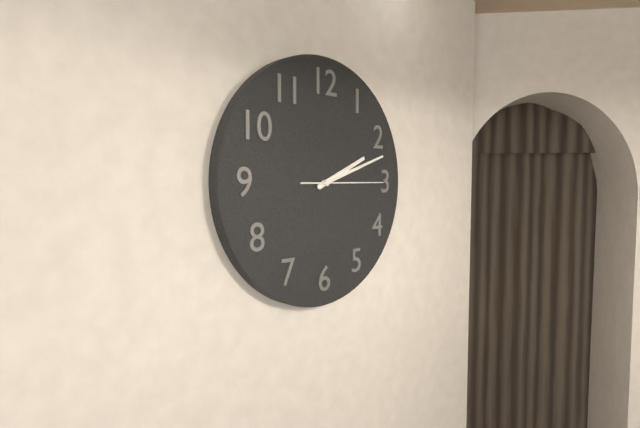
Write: 2,12,15
